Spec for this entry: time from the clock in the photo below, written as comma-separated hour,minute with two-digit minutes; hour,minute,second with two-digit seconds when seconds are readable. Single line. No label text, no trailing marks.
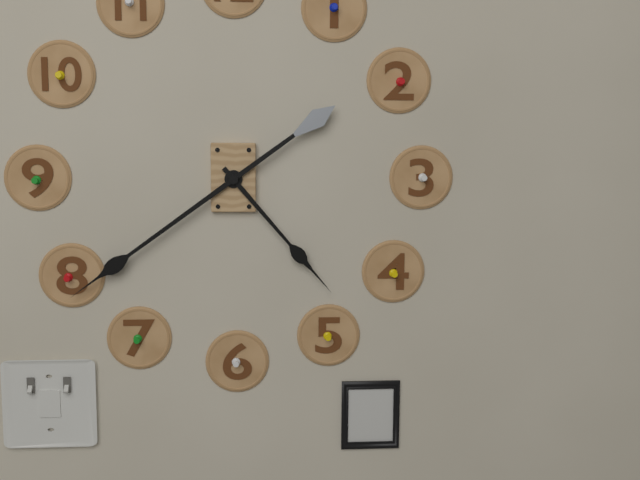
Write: 4,39
